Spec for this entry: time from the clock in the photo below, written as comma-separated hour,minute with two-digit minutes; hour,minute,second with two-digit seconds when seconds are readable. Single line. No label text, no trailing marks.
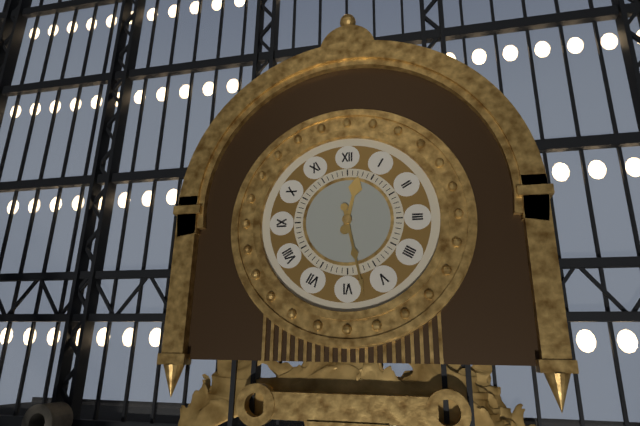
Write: 12,28
